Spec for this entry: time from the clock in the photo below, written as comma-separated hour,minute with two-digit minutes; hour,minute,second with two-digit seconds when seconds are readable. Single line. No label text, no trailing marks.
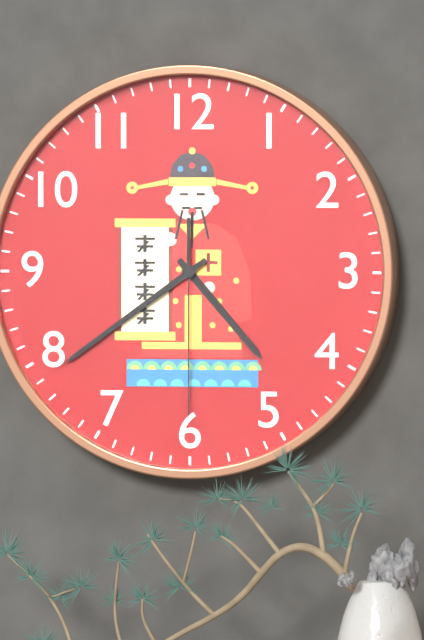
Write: 4,39,30
